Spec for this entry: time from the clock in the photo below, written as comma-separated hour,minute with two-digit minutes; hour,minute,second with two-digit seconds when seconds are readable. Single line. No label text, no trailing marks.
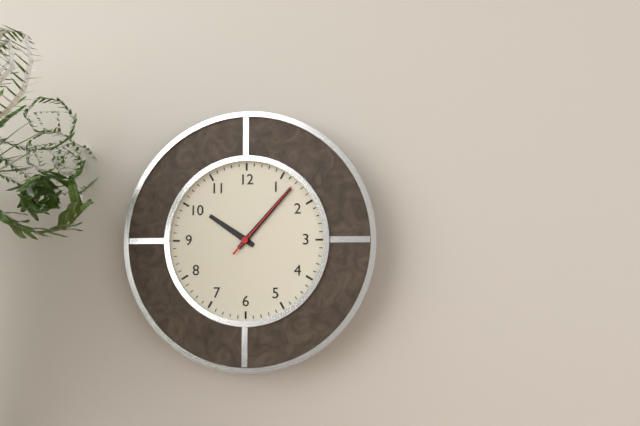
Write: 10,07,07
